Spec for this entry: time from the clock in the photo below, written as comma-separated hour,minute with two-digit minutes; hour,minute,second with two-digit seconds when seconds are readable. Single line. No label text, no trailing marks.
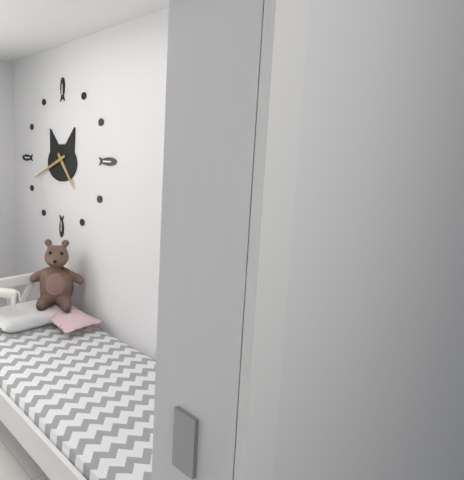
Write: 4,41
